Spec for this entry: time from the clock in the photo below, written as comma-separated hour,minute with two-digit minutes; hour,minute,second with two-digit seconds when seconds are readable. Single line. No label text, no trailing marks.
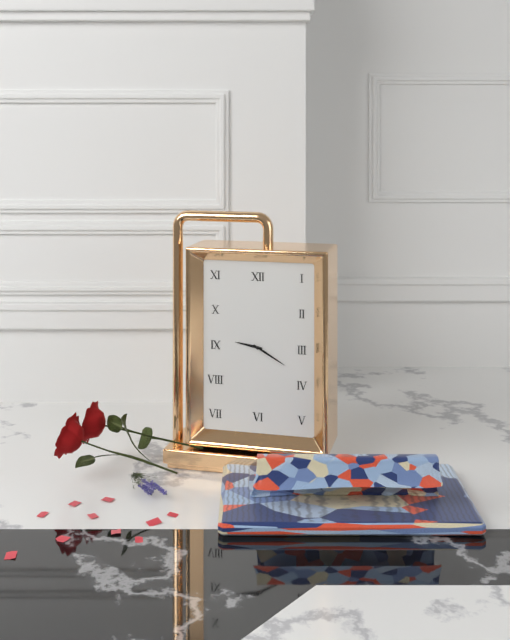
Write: 9,20
